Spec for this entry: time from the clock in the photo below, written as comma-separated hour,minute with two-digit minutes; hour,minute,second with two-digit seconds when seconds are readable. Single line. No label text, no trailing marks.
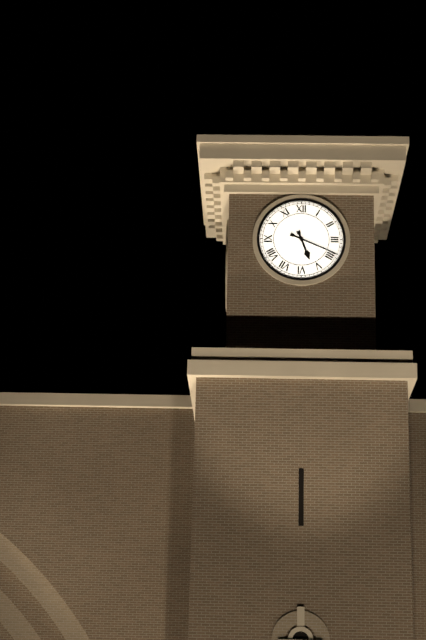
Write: 5,19
